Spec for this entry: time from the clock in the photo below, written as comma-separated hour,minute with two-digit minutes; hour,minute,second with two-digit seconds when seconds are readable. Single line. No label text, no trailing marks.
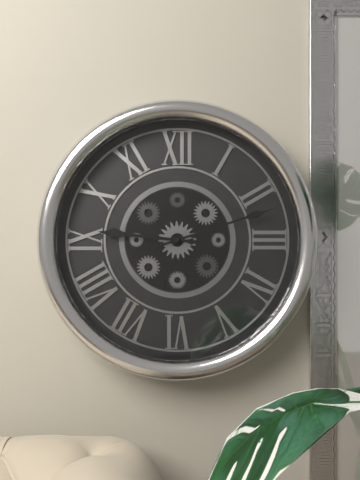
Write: 9,12
